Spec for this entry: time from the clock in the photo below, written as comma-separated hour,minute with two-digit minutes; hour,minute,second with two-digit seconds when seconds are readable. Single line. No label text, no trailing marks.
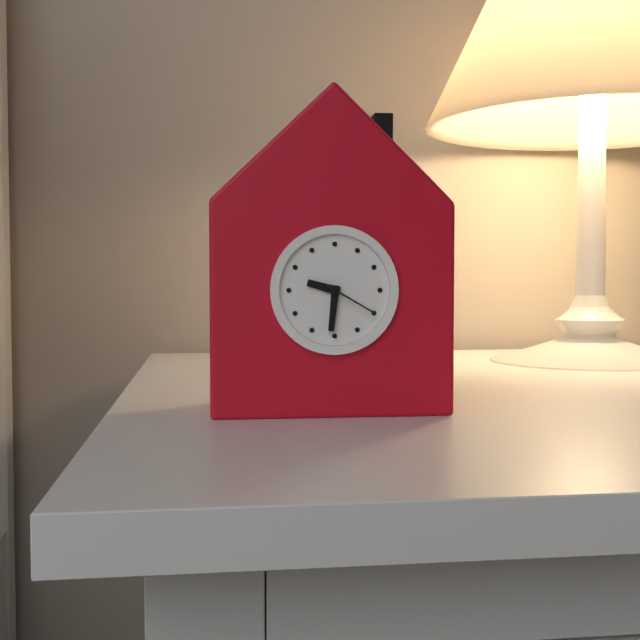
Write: 9,31,20
